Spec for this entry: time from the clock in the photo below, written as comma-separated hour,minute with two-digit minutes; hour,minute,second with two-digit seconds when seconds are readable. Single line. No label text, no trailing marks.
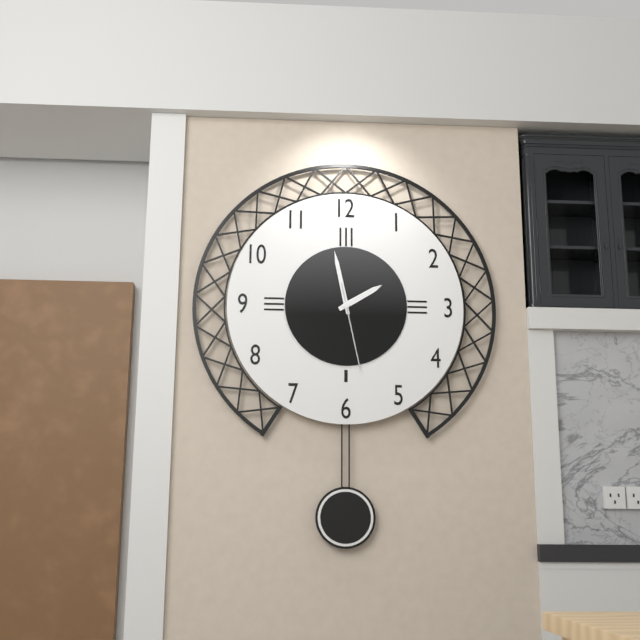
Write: 1,58,28
